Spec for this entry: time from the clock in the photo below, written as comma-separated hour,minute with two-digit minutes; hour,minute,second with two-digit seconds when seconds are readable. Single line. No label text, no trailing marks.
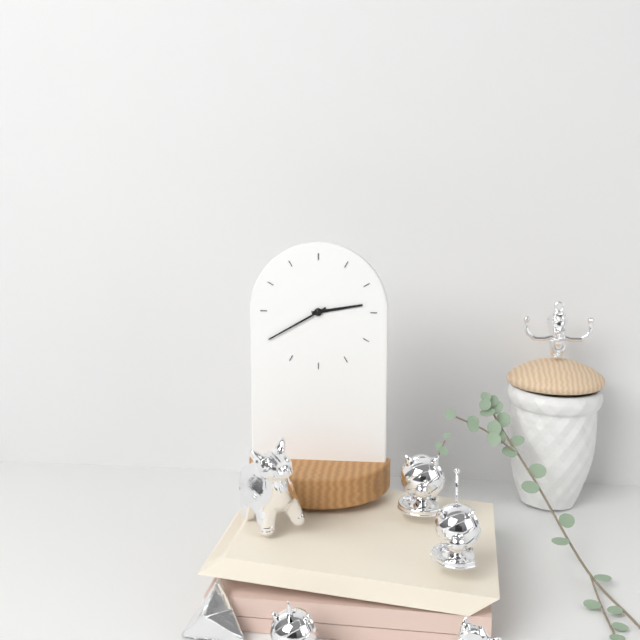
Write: 2,40
